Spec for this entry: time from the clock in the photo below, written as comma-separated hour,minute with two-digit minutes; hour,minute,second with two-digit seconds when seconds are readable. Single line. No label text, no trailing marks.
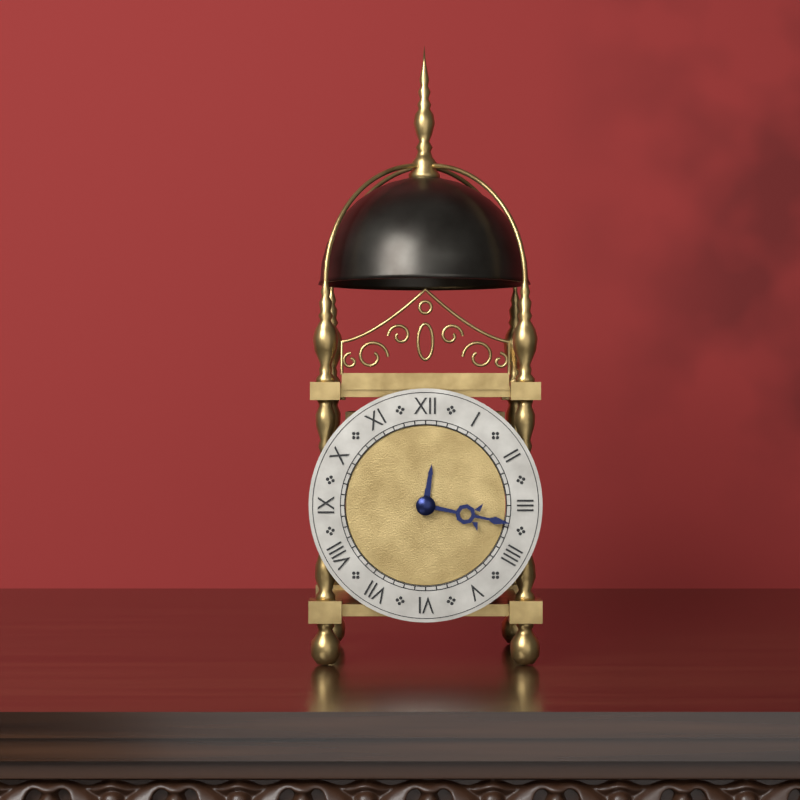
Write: 12,17
